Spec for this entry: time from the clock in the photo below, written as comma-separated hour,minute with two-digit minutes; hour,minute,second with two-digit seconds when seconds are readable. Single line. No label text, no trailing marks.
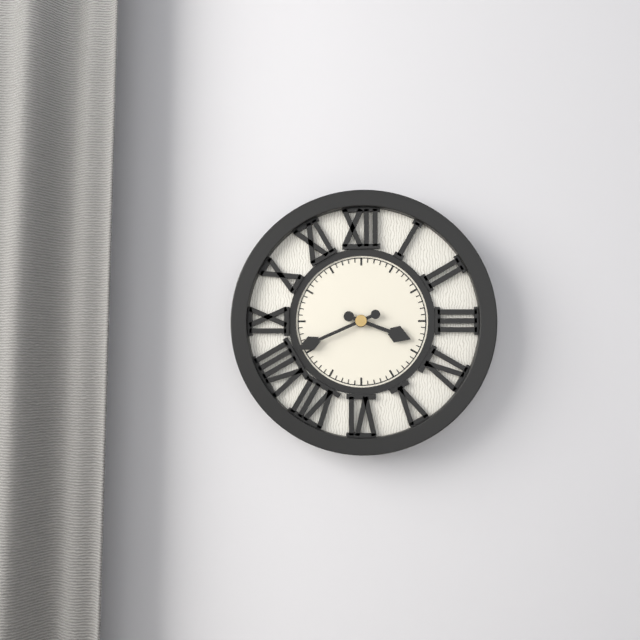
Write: 3,41
